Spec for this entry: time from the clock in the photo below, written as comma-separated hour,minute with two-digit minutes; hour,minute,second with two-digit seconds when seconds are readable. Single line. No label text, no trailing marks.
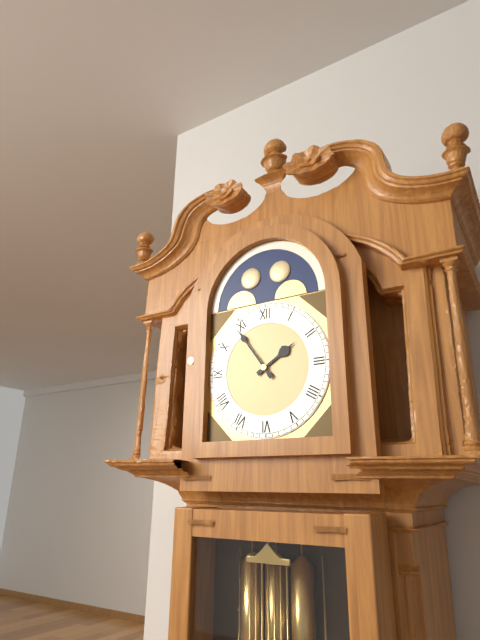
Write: 1,54
